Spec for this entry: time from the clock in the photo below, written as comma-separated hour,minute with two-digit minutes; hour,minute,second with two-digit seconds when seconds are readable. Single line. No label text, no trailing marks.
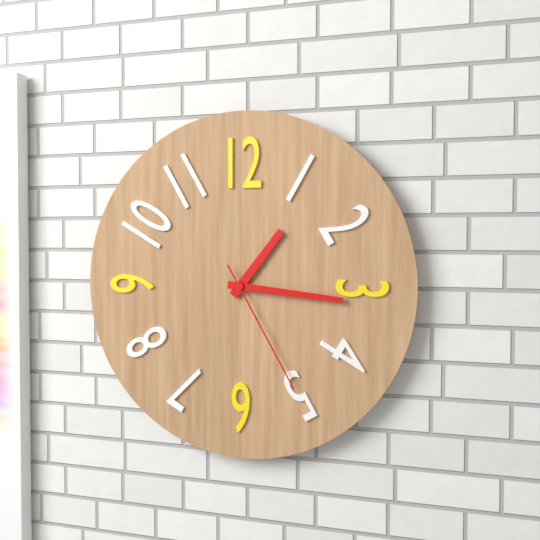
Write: 1,16,25
